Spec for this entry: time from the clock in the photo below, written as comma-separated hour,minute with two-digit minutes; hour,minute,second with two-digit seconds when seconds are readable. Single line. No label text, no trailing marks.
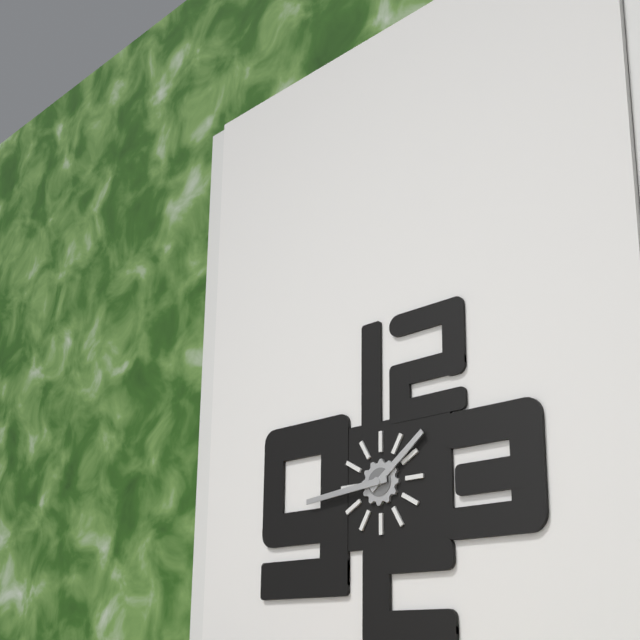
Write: 1,44
